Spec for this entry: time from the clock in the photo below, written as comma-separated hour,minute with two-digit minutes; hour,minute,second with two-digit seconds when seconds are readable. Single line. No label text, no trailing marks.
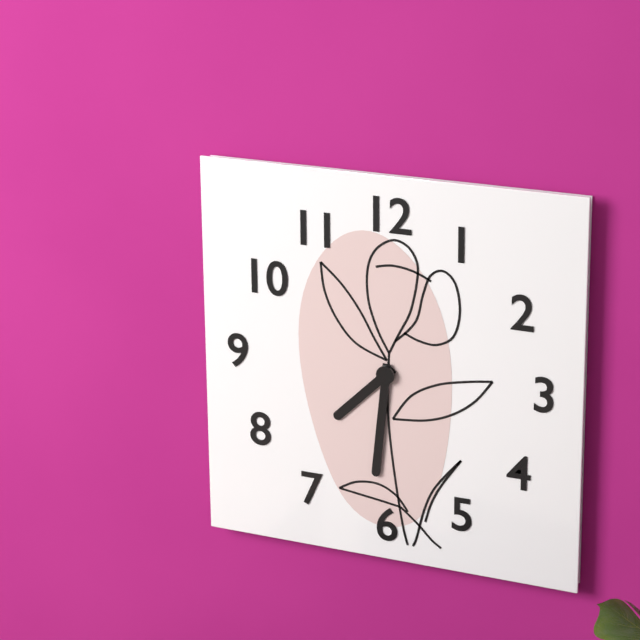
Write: 7,31
